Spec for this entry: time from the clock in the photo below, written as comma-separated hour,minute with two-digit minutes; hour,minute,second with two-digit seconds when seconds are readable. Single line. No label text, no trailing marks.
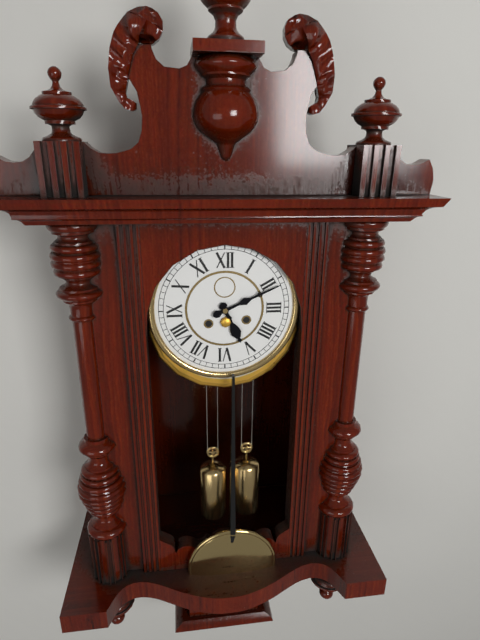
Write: 5,11
